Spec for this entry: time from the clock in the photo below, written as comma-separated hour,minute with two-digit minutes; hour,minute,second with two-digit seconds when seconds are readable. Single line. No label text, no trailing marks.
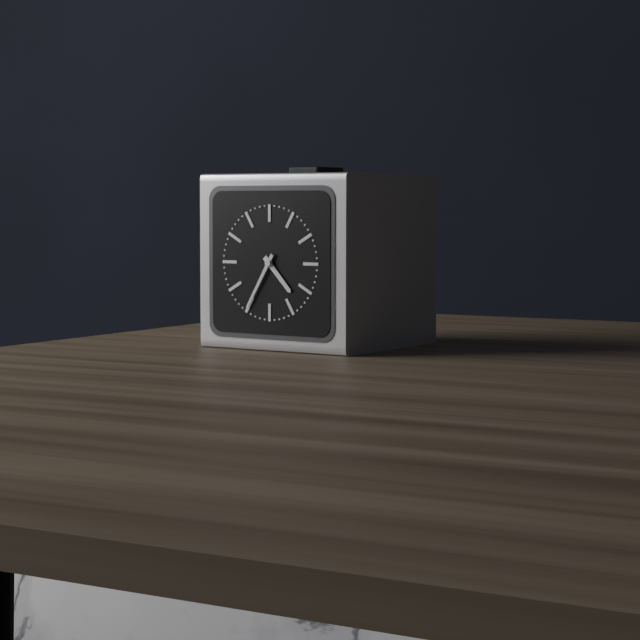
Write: 4,35
